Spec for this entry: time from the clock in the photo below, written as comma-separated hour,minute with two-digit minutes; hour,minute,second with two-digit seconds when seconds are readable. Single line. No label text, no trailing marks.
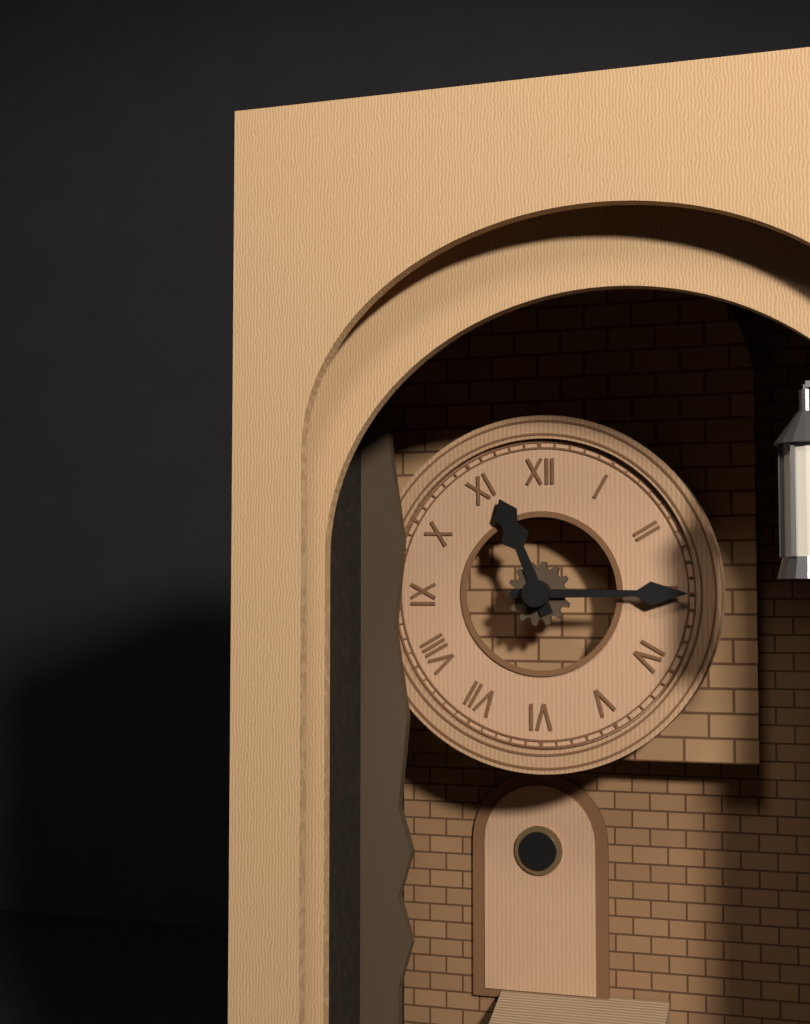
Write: 11,15
